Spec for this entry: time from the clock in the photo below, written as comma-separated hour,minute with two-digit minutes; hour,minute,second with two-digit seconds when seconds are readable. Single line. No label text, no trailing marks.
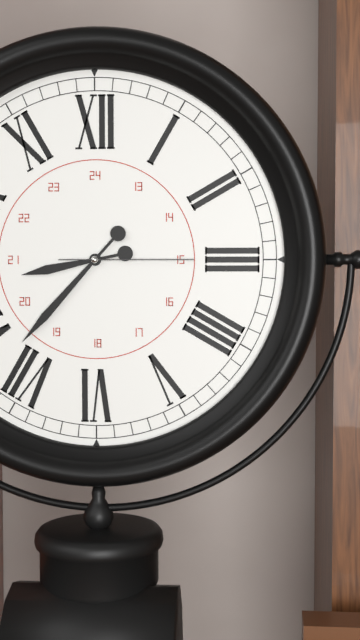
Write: 8,37,15
